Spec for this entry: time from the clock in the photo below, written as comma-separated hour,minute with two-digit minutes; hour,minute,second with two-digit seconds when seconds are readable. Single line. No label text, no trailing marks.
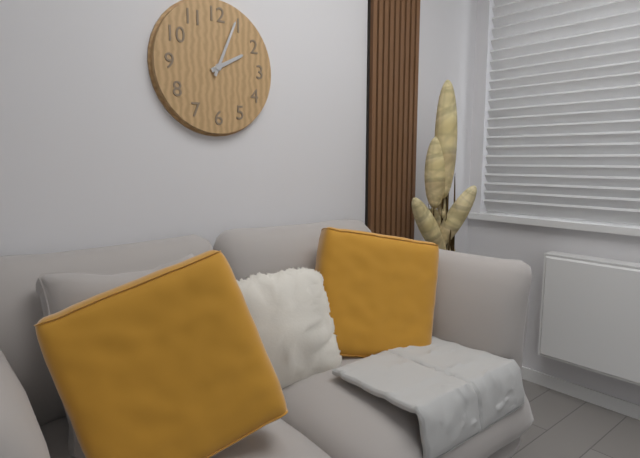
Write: 2,04
